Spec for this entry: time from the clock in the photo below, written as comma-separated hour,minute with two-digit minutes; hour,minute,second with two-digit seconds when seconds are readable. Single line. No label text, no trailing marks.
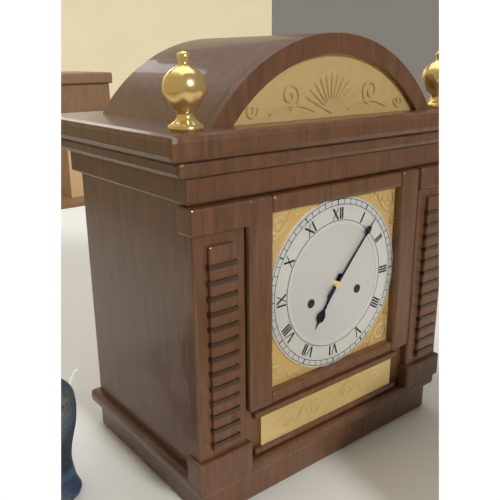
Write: 7,07
